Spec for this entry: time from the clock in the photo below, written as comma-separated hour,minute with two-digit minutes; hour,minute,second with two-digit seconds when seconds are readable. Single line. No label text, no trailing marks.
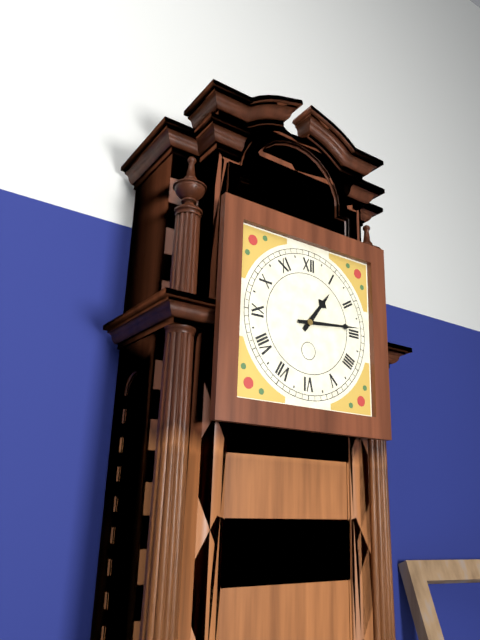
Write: 1,14
